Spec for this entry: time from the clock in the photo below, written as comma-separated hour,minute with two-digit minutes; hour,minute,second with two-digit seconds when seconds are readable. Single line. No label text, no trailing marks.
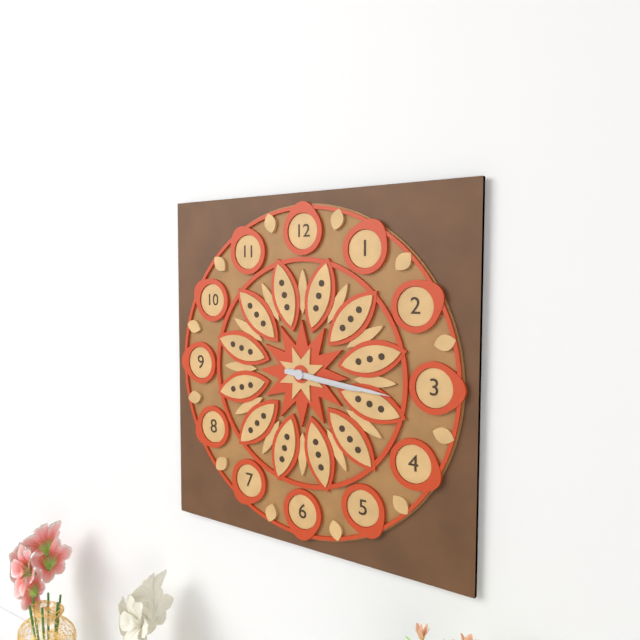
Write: 3,16
